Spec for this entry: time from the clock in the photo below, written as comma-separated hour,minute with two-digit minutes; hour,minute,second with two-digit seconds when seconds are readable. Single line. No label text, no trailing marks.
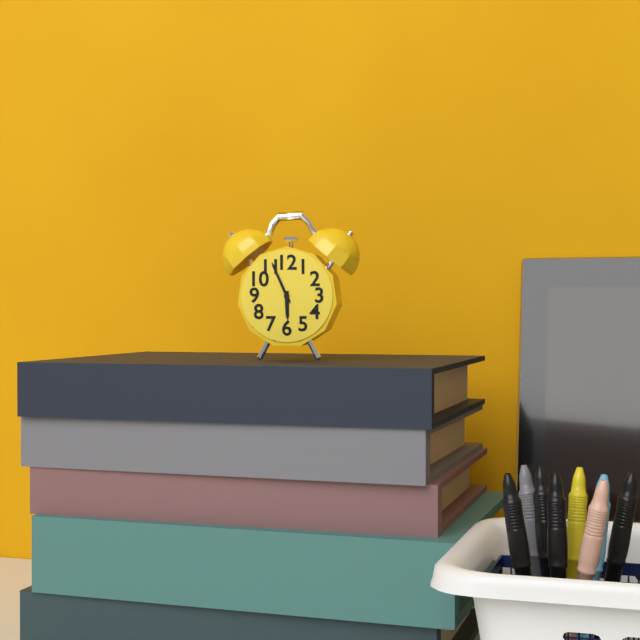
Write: 5,56
